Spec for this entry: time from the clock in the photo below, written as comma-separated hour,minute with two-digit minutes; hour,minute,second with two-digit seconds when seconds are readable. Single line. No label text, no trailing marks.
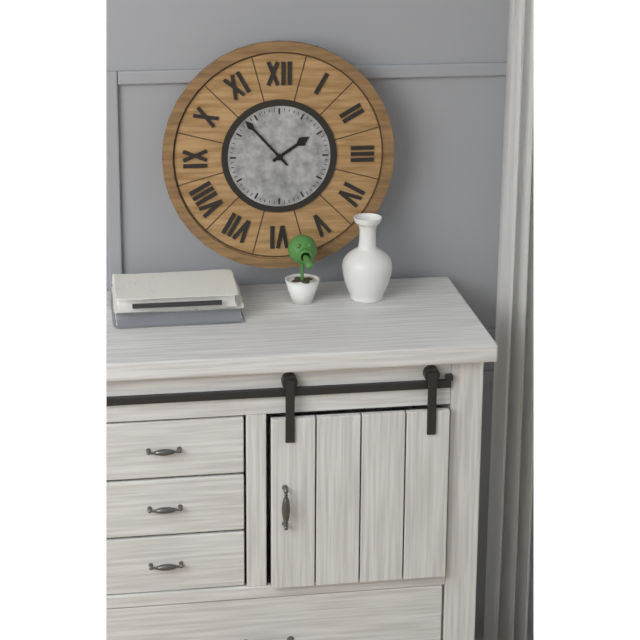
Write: 1,53
